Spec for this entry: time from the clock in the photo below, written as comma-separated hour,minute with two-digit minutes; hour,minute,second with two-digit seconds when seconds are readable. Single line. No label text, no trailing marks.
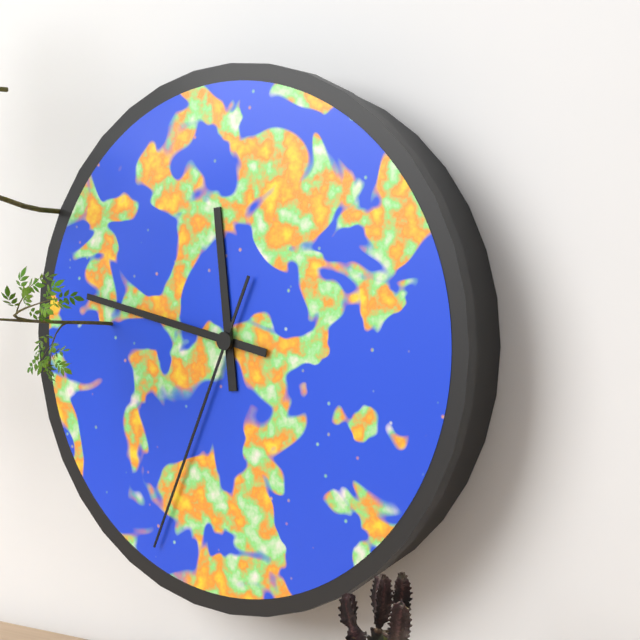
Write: 11,47,34
